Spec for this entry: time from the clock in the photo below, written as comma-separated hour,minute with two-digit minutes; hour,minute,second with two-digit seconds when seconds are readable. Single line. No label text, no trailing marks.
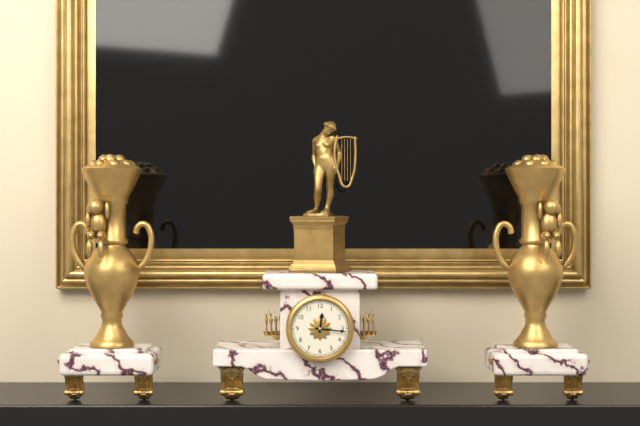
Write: 12,16
